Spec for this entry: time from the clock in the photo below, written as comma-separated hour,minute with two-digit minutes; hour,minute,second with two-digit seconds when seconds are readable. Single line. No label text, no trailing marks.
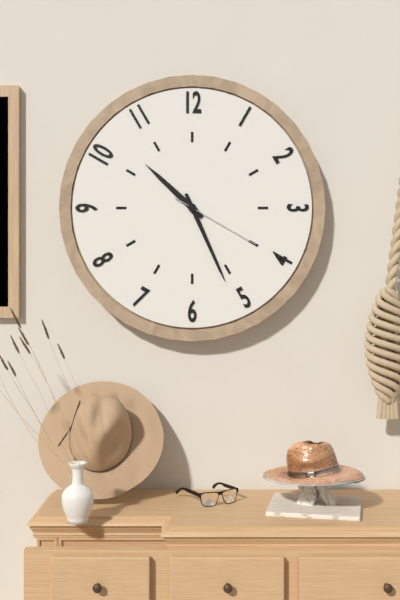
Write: 10,26,20
